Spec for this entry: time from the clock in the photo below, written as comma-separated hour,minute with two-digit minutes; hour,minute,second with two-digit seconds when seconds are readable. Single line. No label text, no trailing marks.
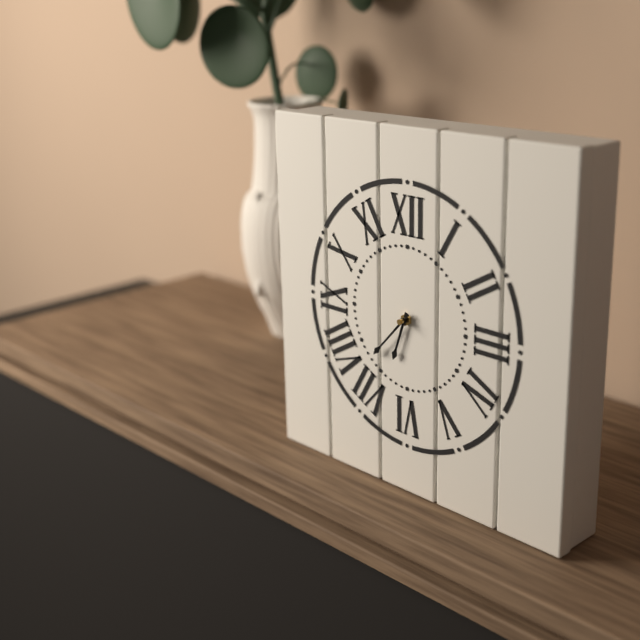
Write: 6,37
